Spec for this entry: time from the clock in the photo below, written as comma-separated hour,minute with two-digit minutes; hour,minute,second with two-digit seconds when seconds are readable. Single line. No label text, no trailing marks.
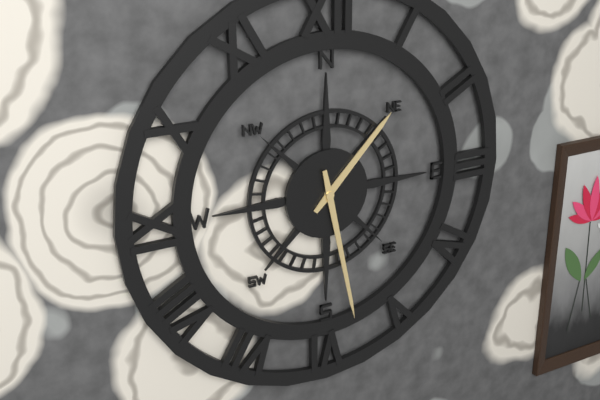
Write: 1,28
